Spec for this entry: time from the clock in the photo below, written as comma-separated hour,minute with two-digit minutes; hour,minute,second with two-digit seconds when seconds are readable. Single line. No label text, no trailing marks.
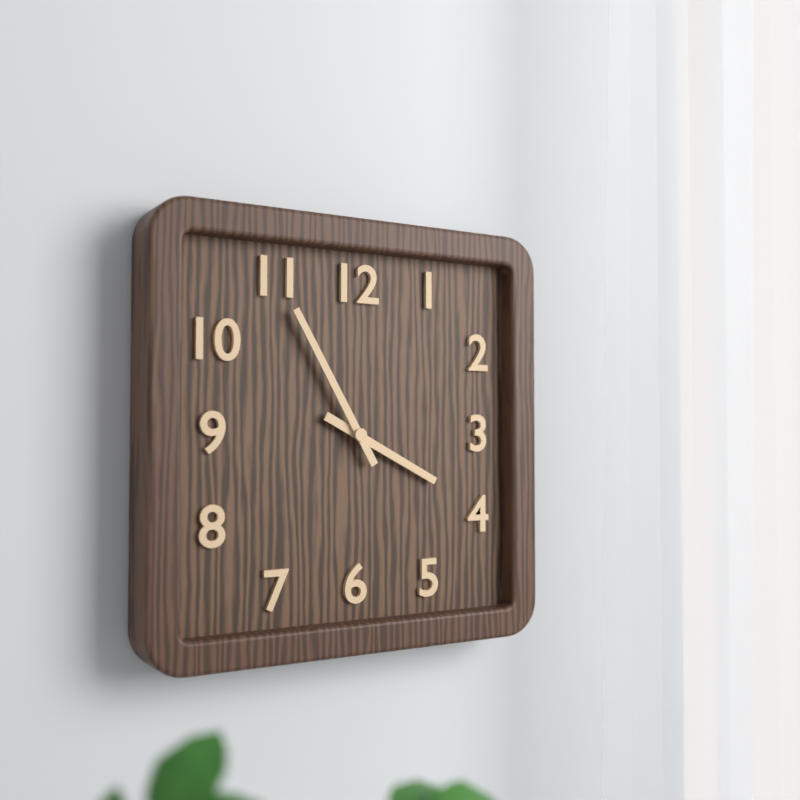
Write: 3,55
